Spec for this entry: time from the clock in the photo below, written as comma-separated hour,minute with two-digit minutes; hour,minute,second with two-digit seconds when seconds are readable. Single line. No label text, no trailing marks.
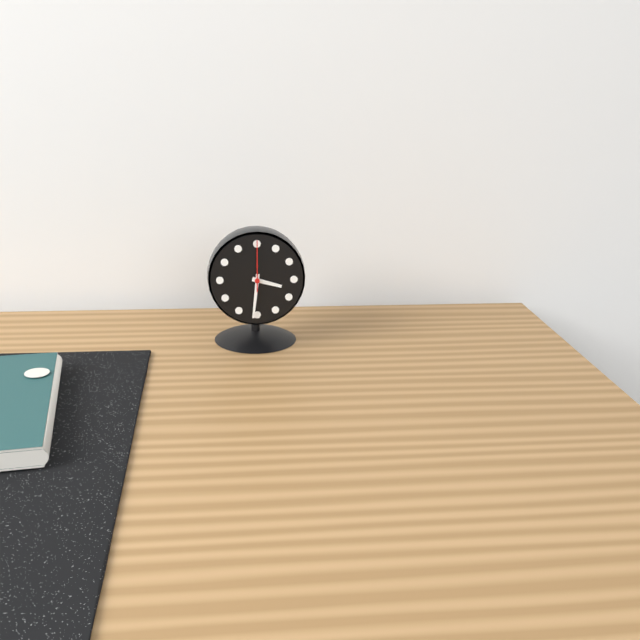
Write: 3,31,00
